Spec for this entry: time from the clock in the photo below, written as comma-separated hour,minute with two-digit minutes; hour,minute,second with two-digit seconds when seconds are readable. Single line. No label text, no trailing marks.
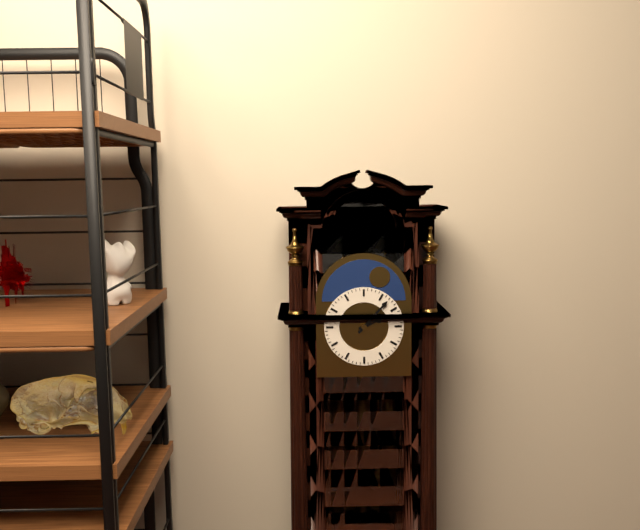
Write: 2,07
